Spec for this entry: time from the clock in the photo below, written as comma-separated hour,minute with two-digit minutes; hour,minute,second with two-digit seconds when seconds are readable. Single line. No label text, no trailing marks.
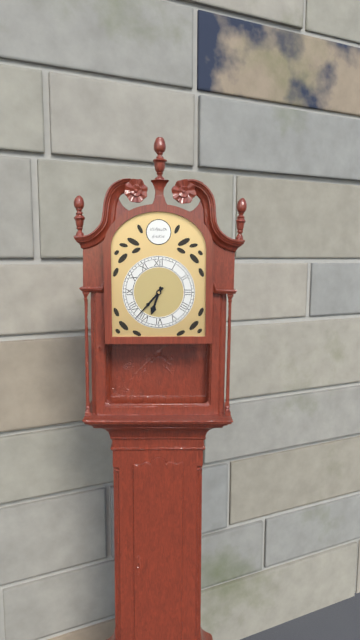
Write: 6,37
